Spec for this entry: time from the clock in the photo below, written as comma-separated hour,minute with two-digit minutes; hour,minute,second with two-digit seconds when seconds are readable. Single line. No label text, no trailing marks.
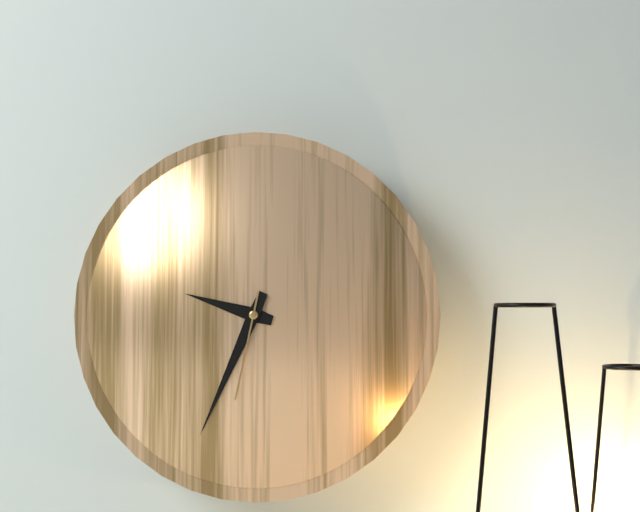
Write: 9,34,32
